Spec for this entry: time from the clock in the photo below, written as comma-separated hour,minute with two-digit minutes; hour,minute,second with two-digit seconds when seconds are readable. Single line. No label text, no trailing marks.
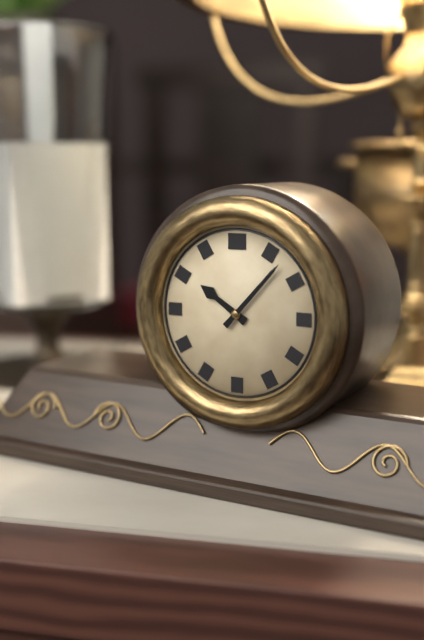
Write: 10,07
